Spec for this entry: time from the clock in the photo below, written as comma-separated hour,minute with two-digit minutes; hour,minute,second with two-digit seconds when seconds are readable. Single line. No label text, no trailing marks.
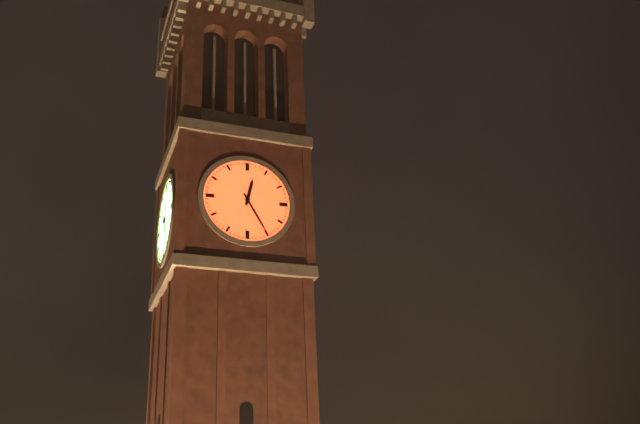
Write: 12,25
